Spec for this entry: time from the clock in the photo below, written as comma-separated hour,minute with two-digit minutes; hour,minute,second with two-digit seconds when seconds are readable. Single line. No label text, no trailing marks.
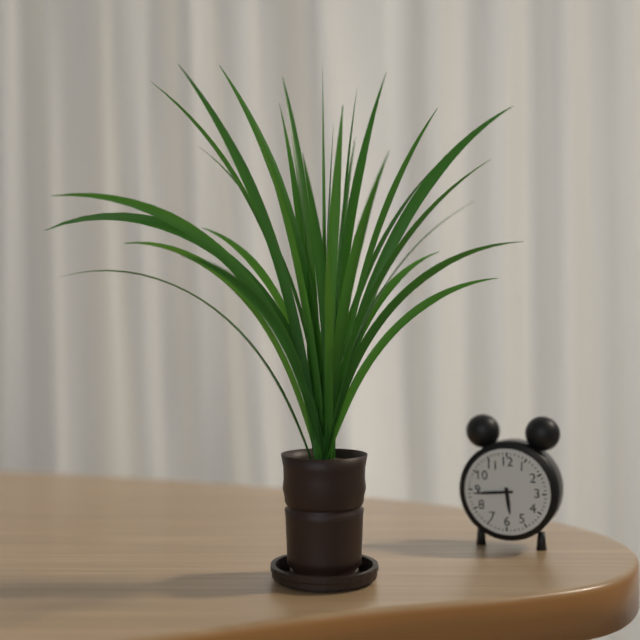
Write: 5,44
